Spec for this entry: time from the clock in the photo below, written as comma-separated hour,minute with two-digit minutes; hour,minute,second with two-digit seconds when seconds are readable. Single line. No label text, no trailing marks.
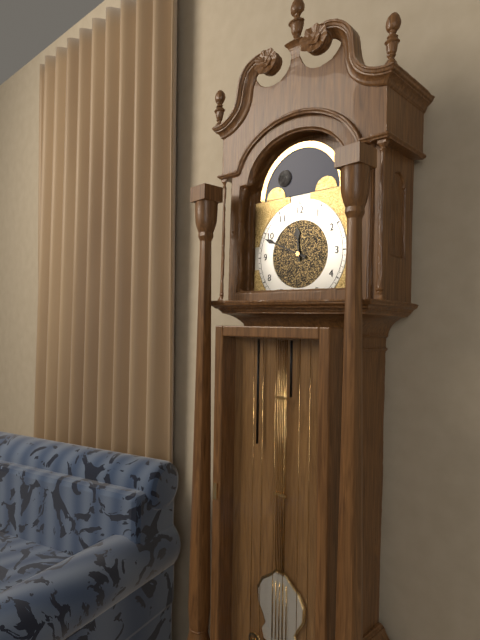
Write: 11,49
